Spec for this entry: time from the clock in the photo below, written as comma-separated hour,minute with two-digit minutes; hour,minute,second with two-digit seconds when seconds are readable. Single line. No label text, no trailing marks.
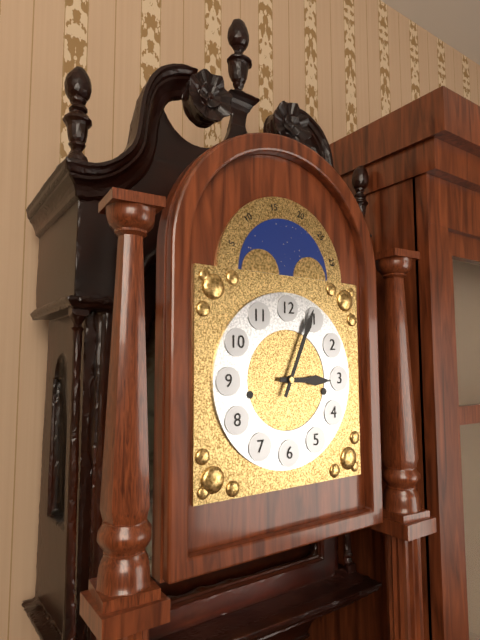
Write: 3,04
